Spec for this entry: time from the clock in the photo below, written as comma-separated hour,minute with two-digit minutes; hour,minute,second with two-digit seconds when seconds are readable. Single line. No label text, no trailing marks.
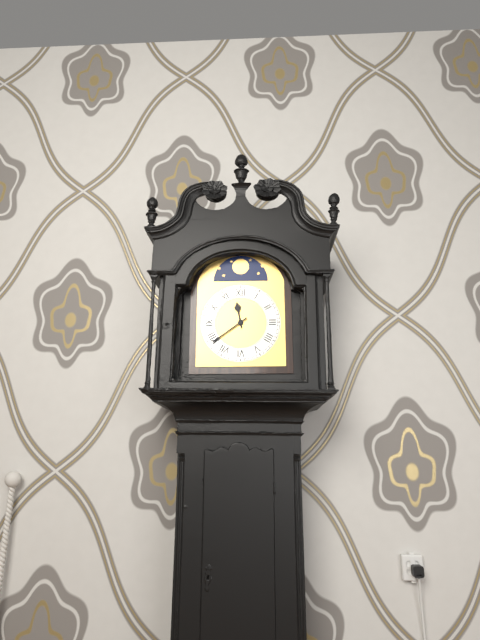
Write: 11,39
